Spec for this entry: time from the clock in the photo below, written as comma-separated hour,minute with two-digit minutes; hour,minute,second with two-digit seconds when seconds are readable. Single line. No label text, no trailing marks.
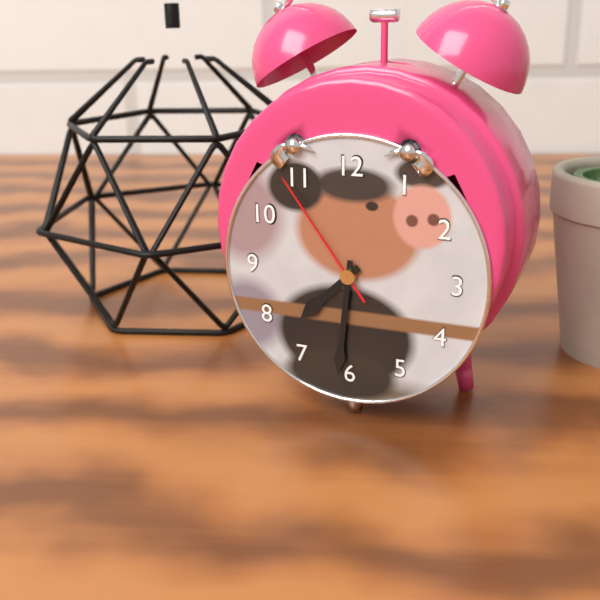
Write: 7,31,54
